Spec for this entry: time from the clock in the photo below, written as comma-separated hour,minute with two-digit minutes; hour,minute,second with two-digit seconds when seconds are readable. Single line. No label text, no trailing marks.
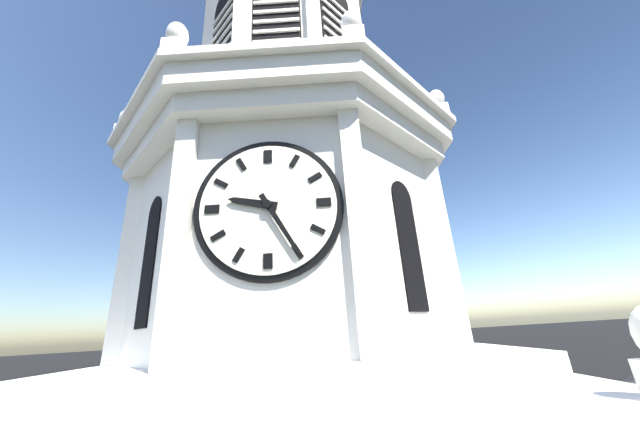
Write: 9,25
